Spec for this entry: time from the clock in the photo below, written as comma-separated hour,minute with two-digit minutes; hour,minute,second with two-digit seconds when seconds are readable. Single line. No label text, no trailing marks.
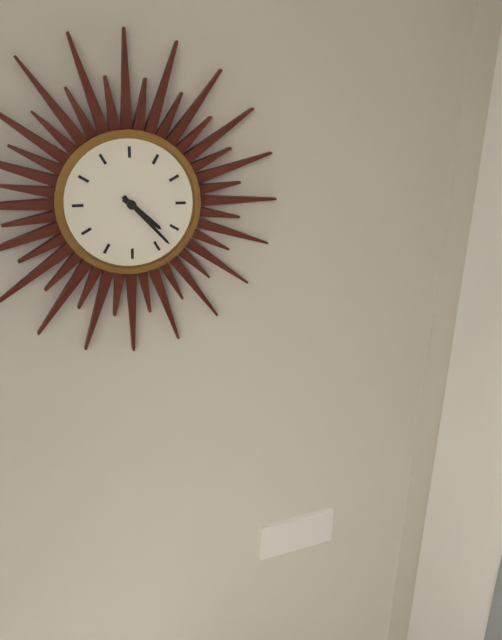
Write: 4,23
